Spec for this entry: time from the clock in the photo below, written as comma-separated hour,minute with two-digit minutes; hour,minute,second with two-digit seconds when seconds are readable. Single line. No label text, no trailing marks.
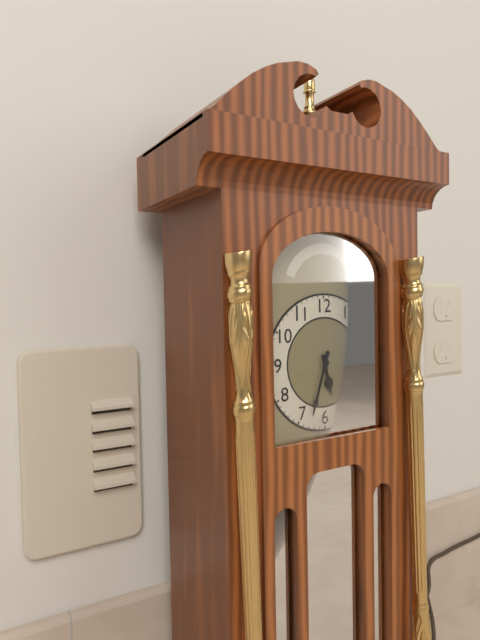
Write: 5,33
